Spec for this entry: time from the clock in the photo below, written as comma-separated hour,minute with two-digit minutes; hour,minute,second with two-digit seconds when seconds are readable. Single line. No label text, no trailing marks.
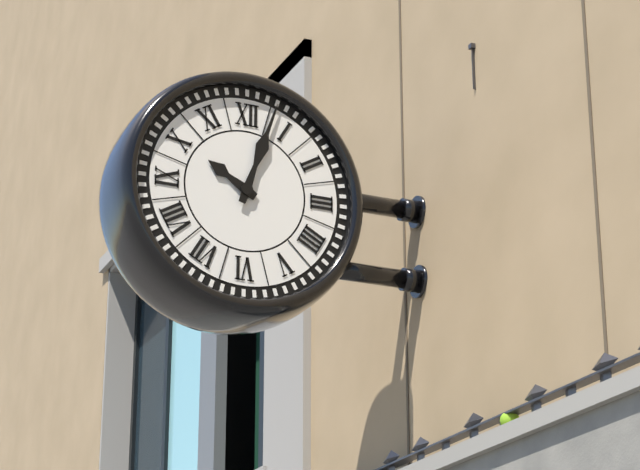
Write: 10,03
